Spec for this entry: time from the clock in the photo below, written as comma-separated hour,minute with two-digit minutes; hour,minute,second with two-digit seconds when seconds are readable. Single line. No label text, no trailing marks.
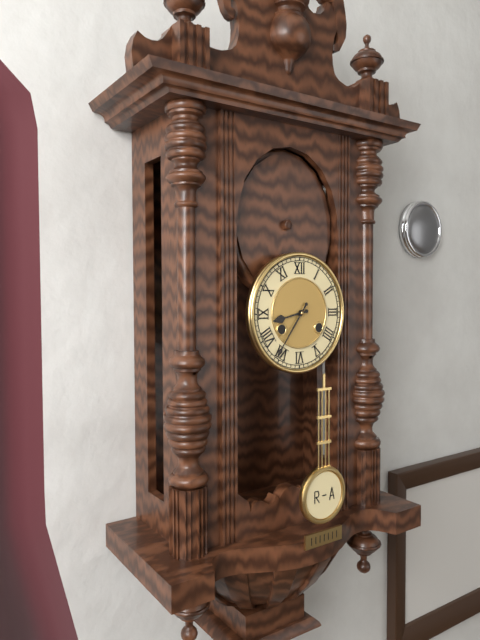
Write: 8,36
